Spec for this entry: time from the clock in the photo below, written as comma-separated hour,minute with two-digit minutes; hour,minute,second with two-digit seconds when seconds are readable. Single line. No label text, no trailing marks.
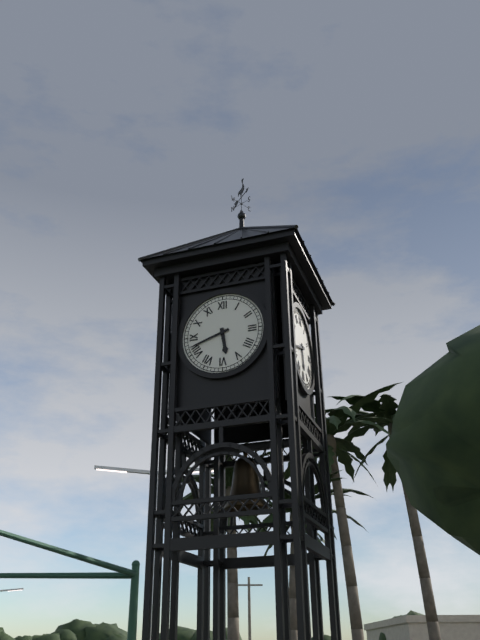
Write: 5,42
